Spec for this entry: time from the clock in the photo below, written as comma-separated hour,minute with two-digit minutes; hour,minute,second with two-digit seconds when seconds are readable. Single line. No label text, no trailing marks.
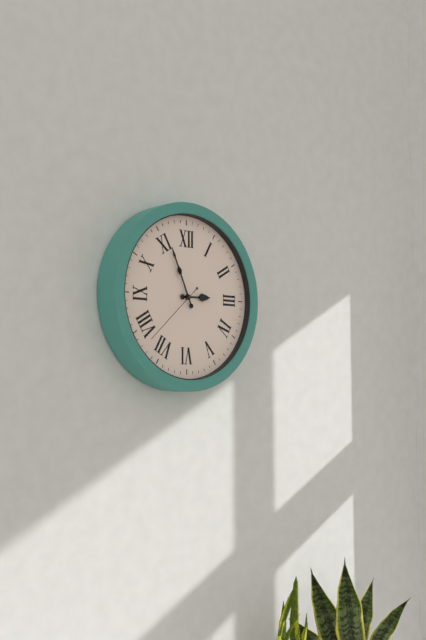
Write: 2,56,38
